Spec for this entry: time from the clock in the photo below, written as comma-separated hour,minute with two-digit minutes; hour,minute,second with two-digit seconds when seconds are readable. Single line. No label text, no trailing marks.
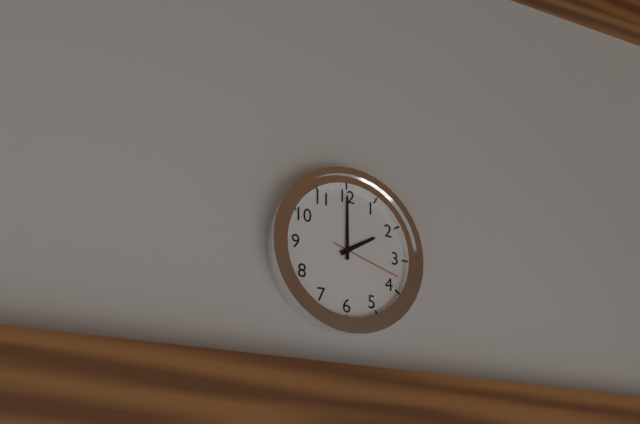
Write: 2,00,18
